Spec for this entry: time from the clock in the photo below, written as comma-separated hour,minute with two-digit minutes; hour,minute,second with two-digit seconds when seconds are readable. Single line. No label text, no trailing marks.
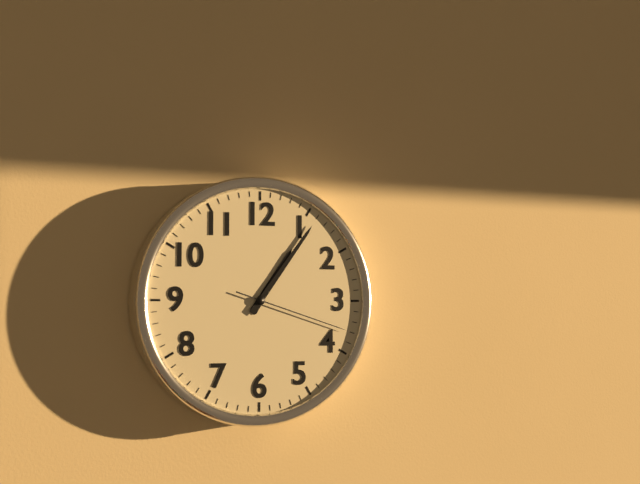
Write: 1,06,18
